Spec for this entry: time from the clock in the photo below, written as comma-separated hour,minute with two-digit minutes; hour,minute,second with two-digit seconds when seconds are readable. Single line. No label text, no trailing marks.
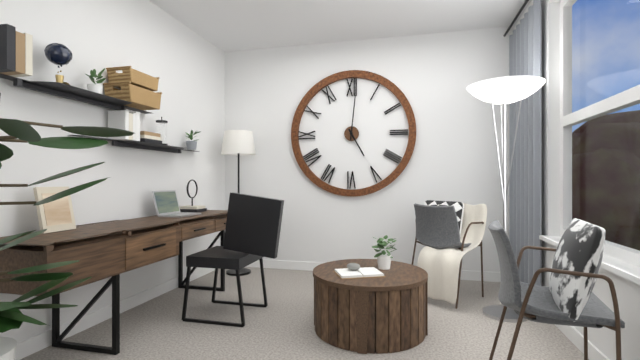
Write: 5,01
